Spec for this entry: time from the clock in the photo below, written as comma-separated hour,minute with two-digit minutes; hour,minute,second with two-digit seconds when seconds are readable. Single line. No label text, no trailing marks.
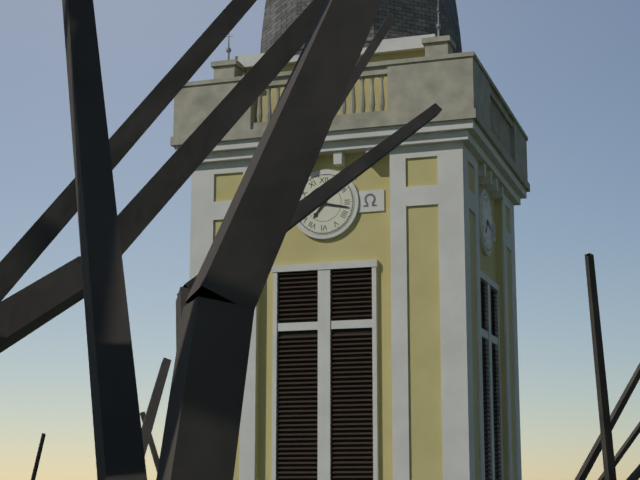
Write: 7,17
